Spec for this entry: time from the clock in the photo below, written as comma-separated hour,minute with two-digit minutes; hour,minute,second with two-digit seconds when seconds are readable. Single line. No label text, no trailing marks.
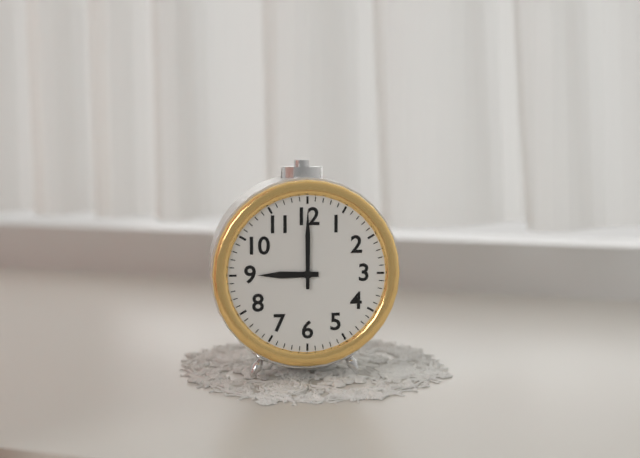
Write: 9,00
